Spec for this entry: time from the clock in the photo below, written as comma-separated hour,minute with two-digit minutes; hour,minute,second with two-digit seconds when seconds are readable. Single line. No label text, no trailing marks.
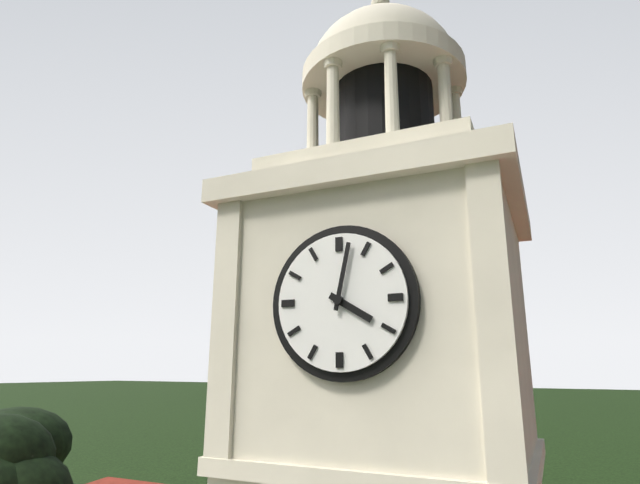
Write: 4,02
